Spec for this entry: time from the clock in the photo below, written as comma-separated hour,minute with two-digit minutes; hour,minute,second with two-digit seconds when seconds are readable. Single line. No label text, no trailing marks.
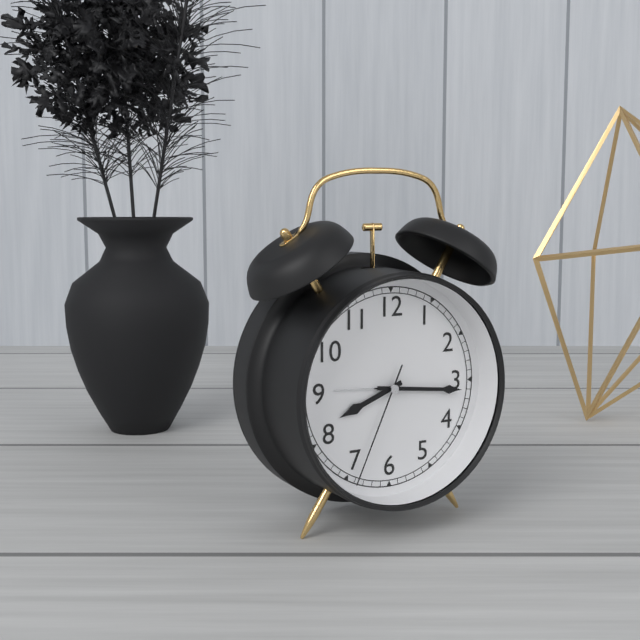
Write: 8,16,34
